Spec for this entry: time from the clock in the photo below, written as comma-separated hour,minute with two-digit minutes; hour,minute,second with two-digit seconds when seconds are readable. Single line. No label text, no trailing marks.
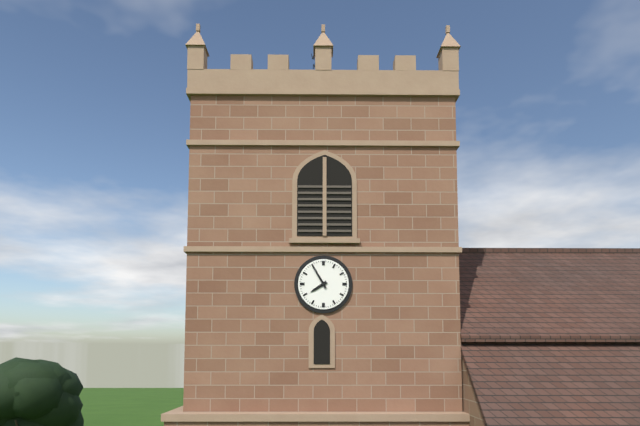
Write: 7,55
